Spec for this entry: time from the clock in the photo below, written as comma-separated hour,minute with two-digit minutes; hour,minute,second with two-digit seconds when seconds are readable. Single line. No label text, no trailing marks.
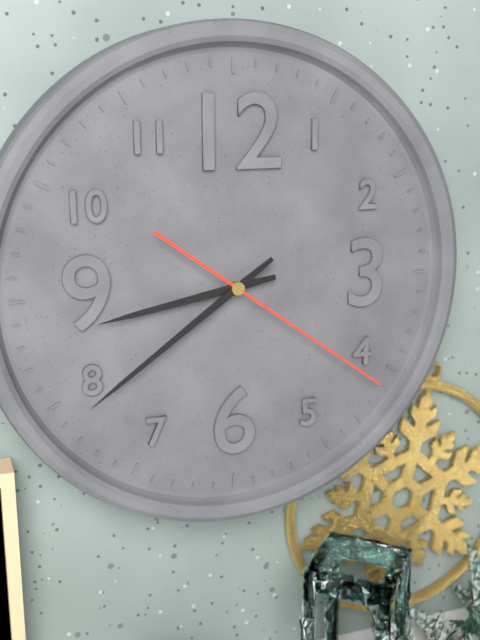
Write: 8,39,21
